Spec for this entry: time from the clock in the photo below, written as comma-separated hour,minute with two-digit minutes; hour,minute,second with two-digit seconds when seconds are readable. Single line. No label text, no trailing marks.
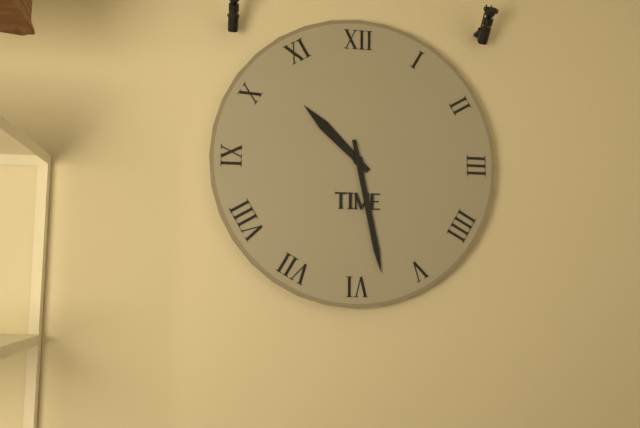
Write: 10,28
